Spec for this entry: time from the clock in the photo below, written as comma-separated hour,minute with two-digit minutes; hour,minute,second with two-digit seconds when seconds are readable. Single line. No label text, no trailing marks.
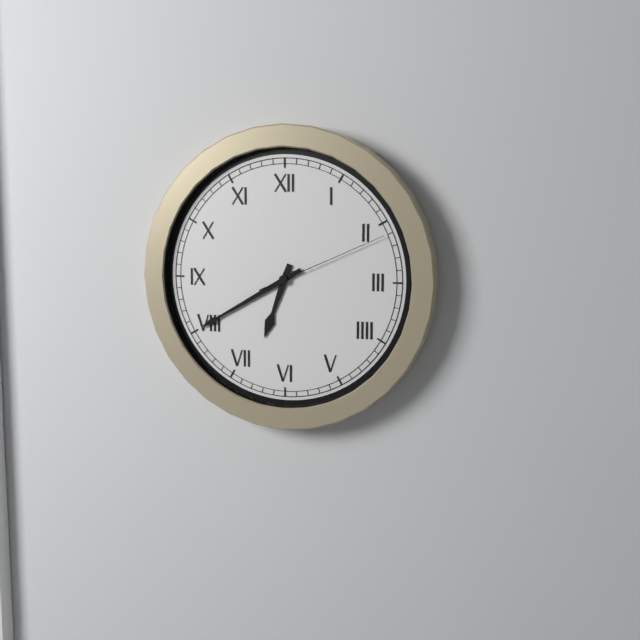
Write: 6,40,11
